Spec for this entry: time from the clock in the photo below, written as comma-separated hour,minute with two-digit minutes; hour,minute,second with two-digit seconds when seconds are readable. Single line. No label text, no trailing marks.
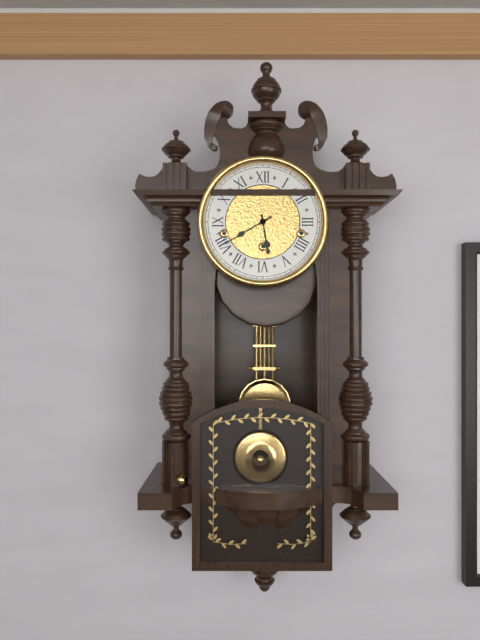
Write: 5,40
